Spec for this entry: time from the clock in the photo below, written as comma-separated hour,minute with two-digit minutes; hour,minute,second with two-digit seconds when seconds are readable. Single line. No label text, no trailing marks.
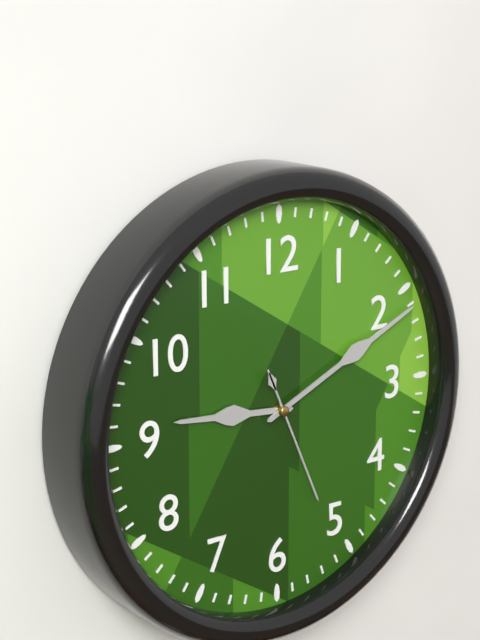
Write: 9,11,26
